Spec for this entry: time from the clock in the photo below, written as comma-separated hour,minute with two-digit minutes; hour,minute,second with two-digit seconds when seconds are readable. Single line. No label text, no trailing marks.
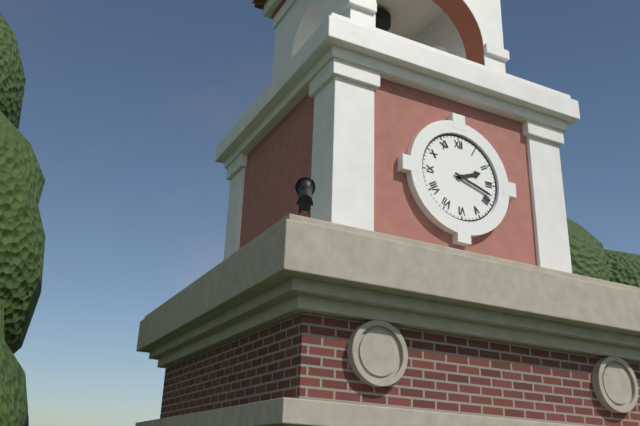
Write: 2,18
